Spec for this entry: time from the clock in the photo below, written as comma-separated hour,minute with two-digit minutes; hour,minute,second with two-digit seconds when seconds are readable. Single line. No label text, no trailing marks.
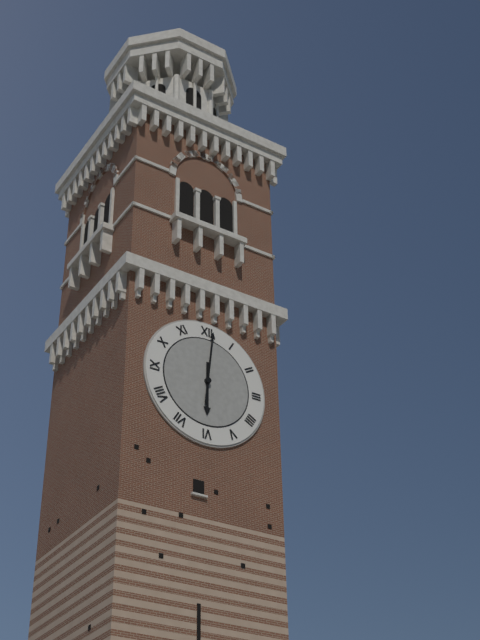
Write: 6,01
